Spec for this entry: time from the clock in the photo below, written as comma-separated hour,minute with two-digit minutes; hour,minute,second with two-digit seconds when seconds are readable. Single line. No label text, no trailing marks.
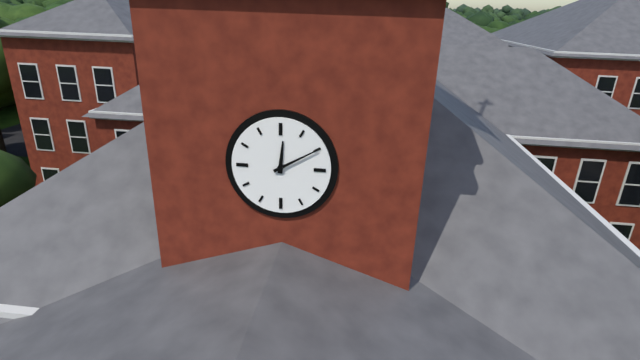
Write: 12,10
